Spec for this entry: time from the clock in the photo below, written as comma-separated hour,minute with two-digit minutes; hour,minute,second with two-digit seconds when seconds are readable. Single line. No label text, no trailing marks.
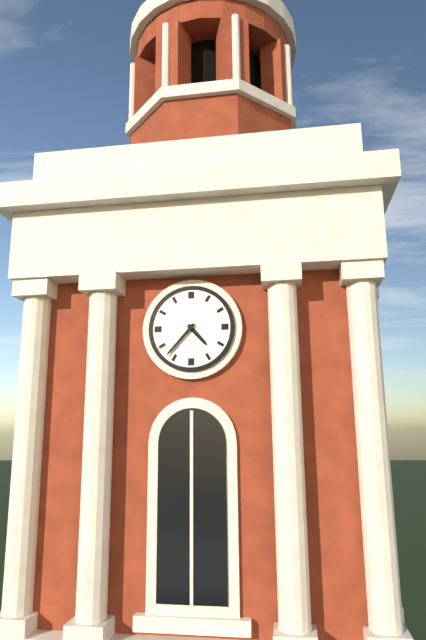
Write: 4,37
